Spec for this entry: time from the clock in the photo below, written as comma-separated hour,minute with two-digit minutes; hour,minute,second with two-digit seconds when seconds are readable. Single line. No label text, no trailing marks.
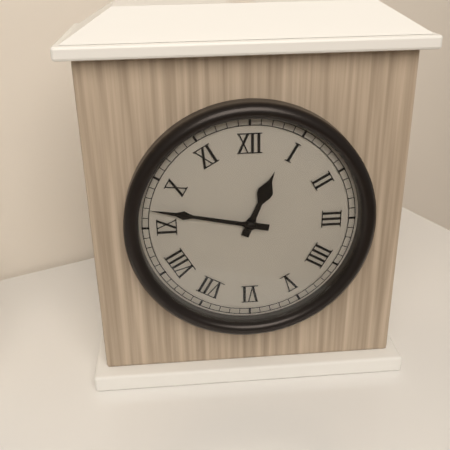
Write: 12,47
